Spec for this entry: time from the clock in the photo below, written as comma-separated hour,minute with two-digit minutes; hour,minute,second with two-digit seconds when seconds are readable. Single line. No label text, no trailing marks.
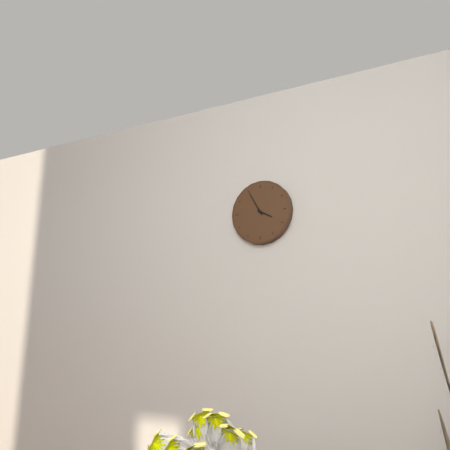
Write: 3,55
